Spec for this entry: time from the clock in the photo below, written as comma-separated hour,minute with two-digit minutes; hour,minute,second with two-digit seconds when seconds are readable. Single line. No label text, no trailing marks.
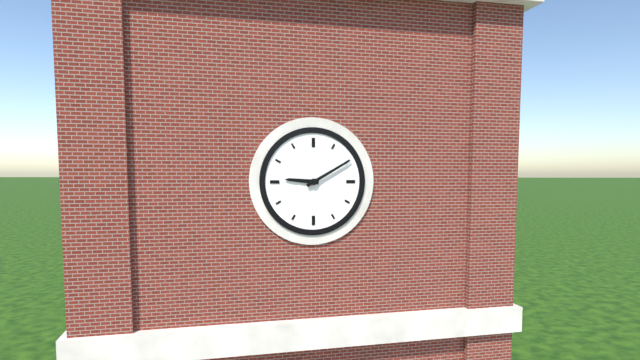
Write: 9,10
